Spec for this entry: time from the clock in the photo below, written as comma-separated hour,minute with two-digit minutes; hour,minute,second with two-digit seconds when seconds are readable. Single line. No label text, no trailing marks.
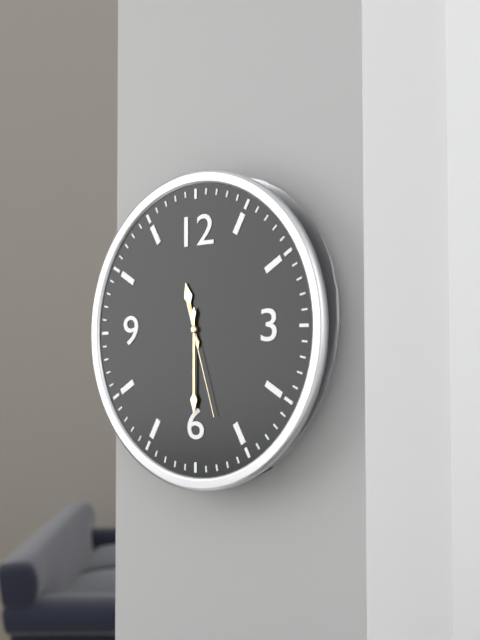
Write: 11,30,27
